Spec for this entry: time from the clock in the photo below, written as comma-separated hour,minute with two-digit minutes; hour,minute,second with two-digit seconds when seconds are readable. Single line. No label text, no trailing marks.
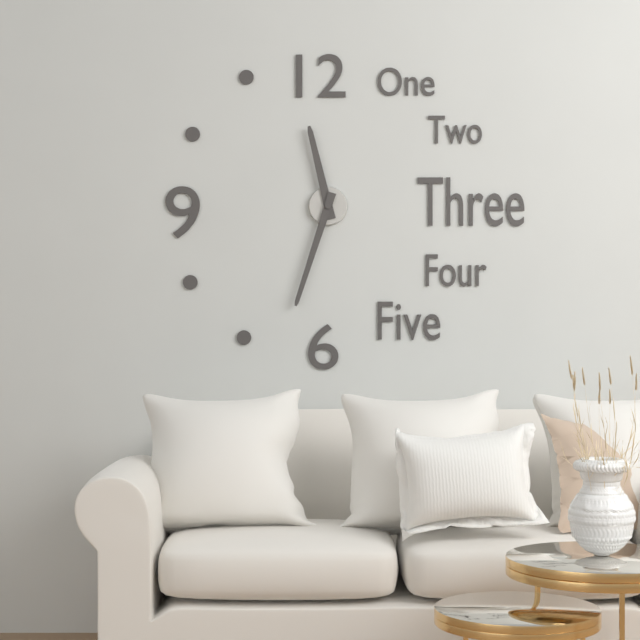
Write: 11,33
